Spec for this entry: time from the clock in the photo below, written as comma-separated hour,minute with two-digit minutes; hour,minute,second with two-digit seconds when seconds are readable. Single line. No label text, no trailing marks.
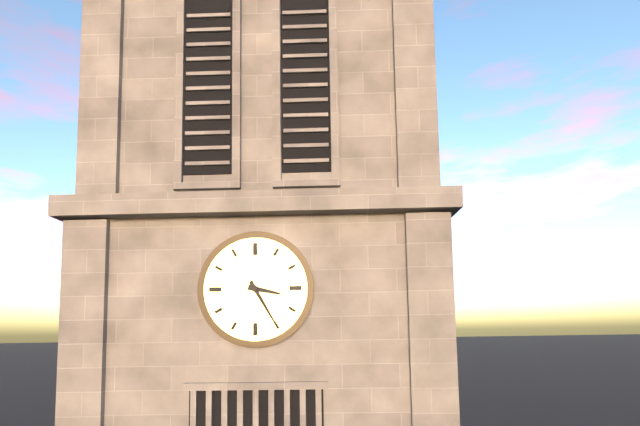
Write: 3,25
